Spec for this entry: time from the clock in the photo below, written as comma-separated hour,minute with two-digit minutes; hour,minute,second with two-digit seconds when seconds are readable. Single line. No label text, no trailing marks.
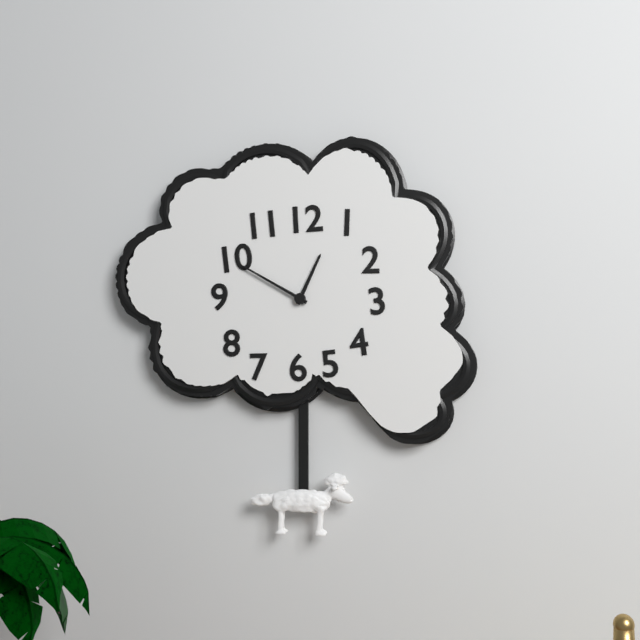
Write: 12,50
